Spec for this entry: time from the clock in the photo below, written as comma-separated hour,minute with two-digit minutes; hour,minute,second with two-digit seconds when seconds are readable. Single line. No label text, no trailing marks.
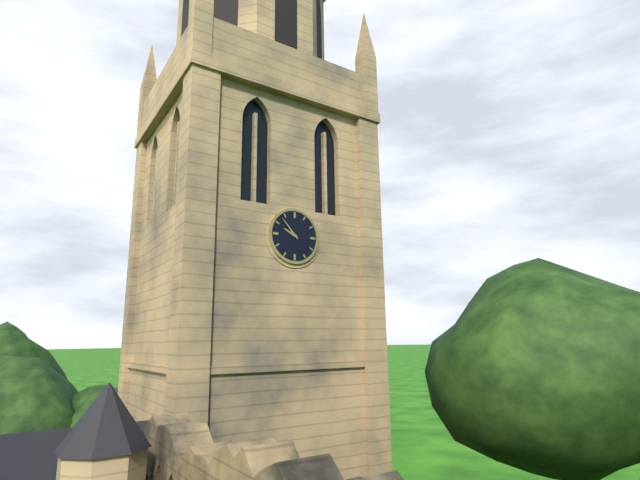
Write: 9,53
